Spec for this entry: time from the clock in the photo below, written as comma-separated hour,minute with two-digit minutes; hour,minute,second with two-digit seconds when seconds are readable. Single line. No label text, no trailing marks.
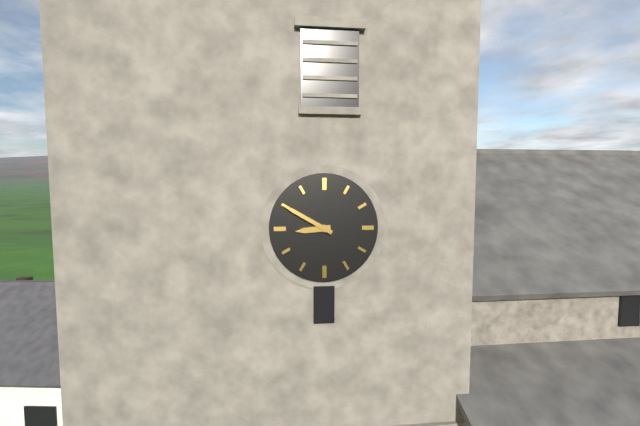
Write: 8,50
